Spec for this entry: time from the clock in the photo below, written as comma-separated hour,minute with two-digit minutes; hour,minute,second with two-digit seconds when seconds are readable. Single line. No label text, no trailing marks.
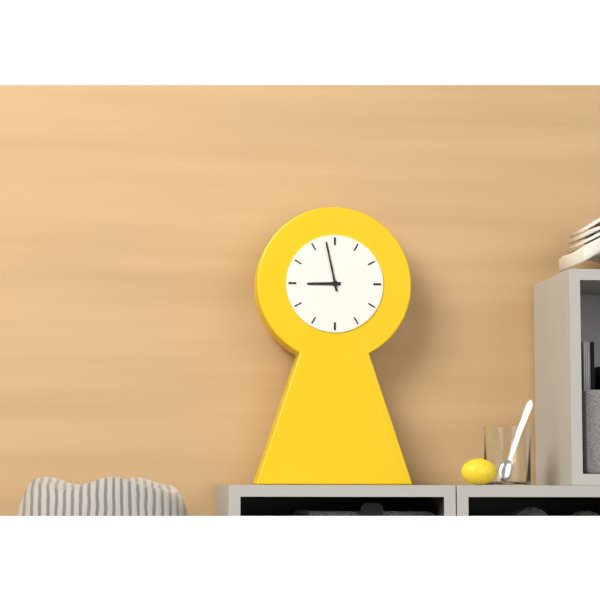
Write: 8,58
